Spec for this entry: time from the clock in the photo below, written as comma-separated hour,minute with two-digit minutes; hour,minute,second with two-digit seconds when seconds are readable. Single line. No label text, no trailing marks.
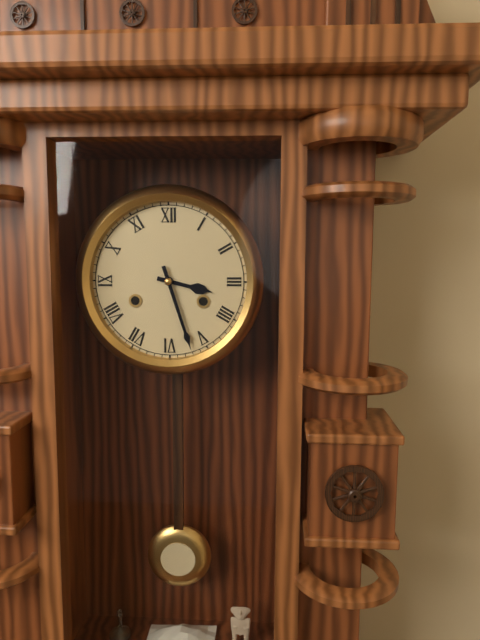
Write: 3,27
